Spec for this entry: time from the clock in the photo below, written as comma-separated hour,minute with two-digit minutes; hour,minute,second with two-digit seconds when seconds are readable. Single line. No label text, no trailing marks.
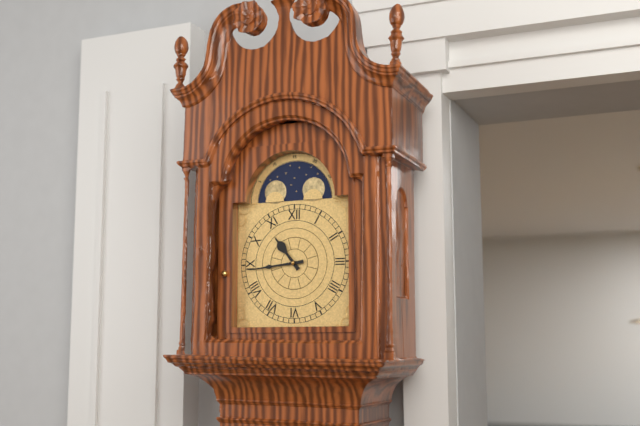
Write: 10,44
